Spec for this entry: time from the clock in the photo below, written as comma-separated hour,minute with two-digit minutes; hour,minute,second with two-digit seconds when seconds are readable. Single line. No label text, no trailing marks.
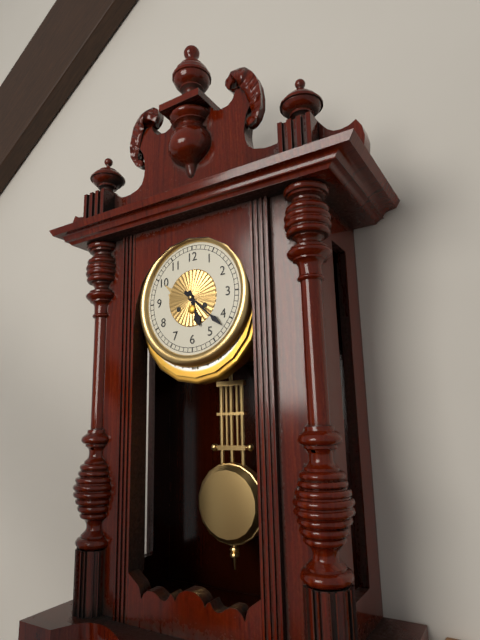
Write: 5,22
